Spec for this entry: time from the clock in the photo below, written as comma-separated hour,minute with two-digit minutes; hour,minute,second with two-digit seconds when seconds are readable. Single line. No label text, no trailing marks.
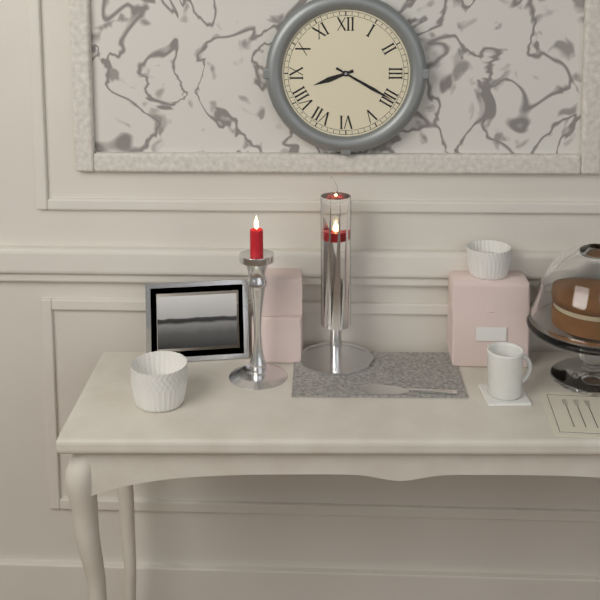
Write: 8,20
